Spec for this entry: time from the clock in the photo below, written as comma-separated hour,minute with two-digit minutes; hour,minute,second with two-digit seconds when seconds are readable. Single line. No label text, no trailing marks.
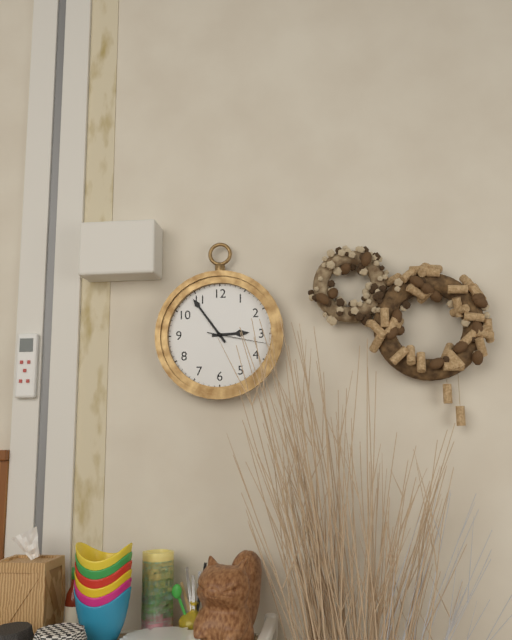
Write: 2,54,17
